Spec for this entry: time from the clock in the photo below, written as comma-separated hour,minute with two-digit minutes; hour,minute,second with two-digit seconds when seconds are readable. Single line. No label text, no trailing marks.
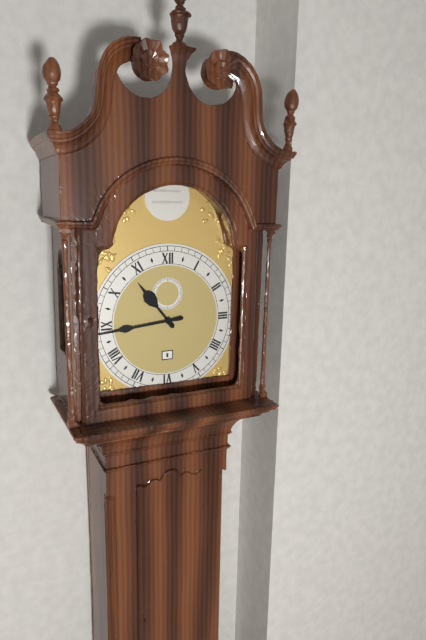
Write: 10,44
